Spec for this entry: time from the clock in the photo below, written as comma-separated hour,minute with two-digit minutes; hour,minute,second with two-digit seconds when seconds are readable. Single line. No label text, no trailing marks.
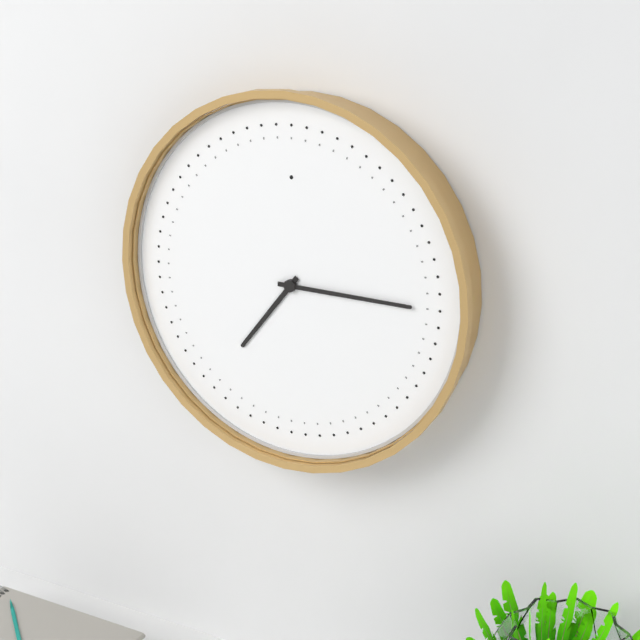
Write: 7,15
